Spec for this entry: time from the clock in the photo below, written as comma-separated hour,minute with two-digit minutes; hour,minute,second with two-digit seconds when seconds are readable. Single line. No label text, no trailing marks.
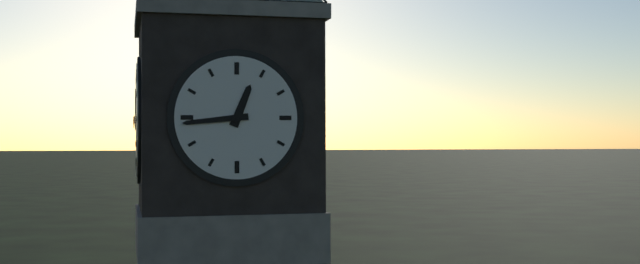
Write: 12,44
